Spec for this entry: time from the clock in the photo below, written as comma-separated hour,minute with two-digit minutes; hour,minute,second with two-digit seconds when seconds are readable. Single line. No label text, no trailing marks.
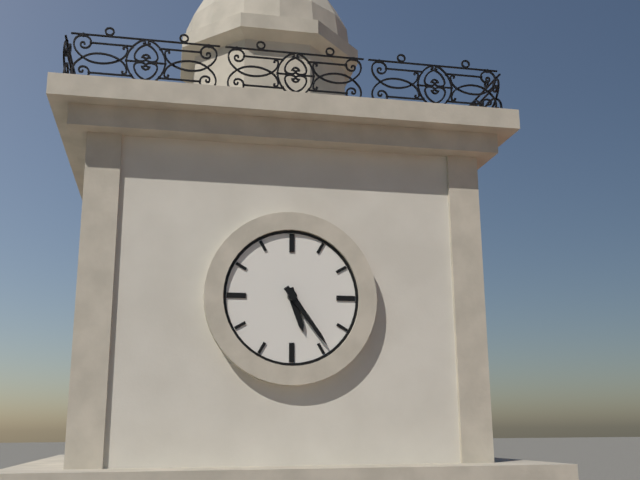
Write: 5,24
